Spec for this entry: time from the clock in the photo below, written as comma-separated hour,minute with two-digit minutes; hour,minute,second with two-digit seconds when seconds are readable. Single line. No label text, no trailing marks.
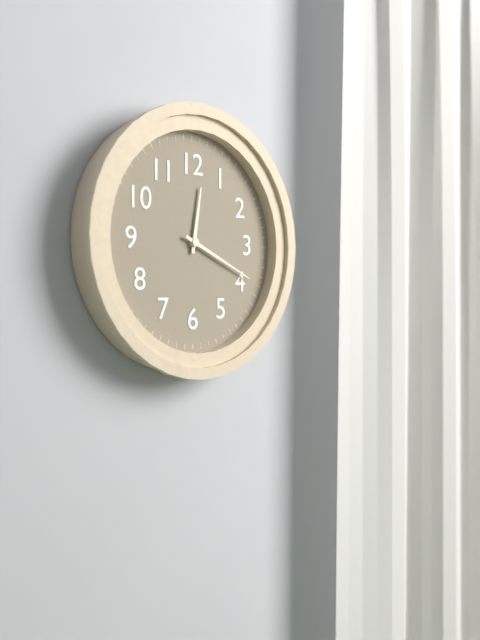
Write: 12,19
